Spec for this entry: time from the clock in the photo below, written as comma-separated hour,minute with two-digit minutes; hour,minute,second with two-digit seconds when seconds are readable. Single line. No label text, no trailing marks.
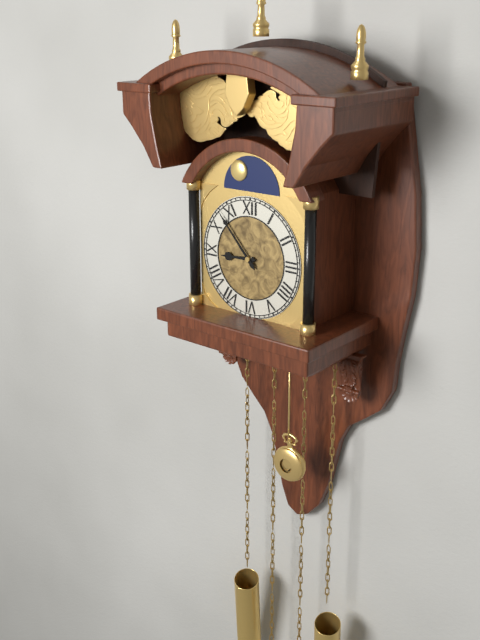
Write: 8,53
